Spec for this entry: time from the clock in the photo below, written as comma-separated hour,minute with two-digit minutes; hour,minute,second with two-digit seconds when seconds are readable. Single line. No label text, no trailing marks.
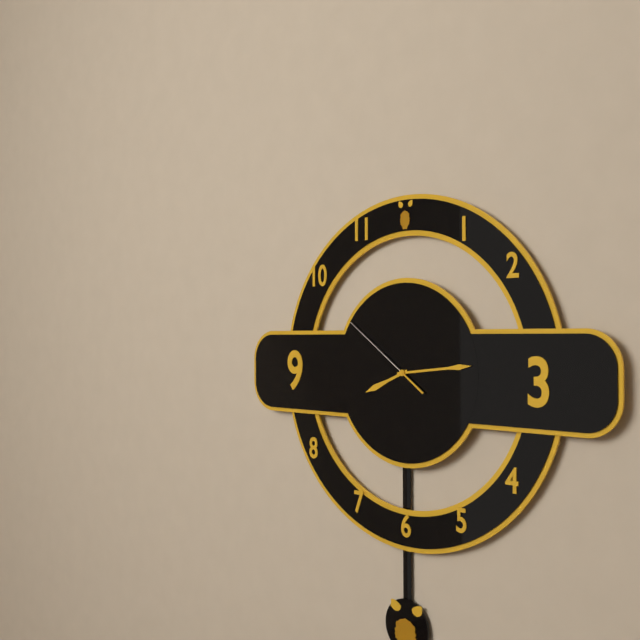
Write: 8,14,51
